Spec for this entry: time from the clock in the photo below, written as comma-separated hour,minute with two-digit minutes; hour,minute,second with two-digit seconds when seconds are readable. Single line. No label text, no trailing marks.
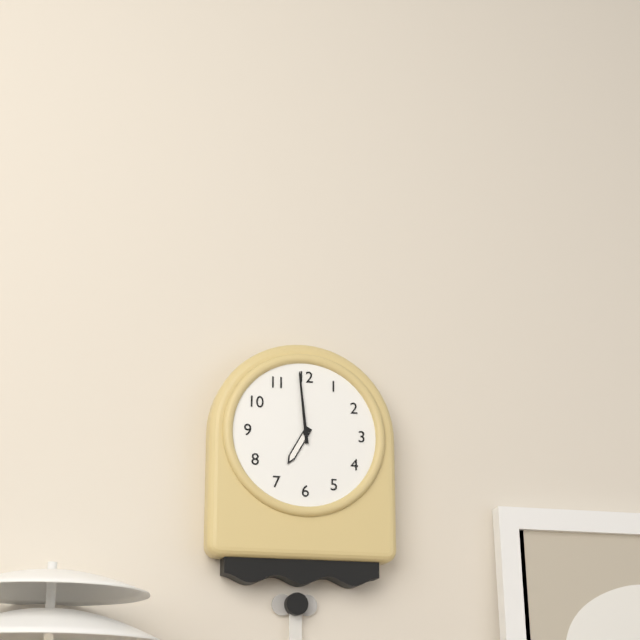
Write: 6,59
